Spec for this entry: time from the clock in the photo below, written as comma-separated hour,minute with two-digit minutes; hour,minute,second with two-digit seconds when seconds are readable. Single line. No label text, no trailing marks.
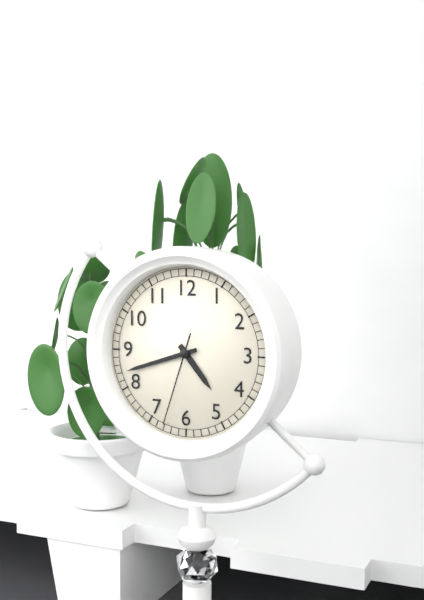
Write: 4,42,33
